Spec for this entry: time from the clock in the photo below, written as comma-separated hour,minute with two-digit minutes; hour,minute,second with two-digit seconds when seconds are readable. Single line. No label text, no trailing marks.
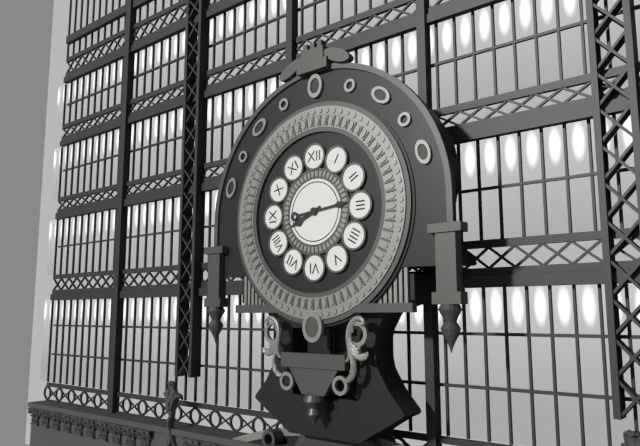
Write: 8,14
